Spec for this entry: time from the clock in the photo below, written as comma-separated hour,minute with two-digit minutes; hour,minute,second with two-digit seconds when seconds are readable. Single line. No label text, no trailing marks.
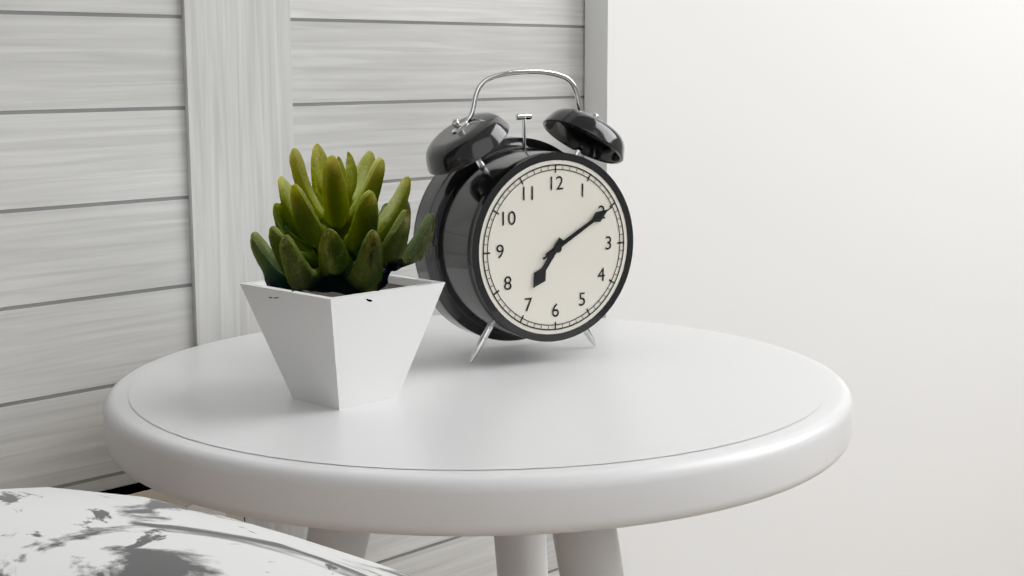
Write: 7,10,10
